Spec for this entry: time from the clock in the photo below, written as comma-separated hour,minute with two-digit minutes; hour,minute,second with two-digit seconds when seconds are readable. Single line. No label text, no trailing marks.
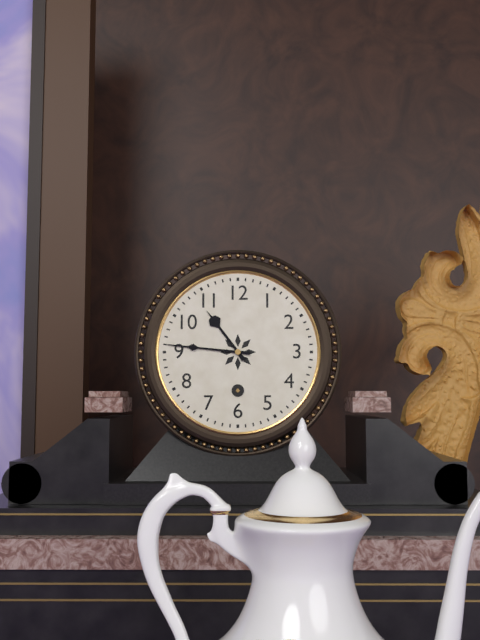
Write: 10,46
